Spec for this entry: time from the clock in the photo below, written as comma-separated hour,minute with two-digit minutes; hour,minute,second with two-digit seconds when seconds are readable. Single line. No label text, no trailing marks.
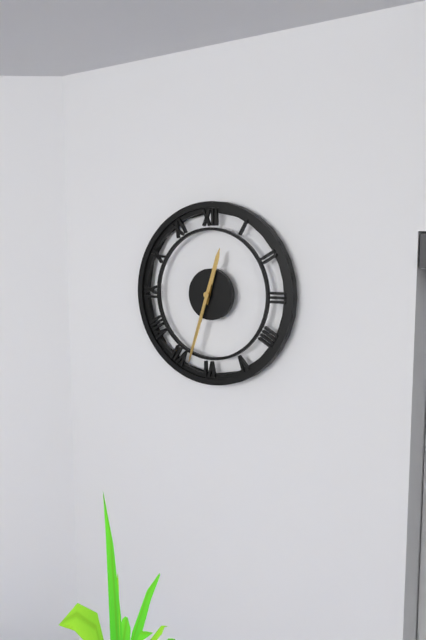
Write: 12,33
